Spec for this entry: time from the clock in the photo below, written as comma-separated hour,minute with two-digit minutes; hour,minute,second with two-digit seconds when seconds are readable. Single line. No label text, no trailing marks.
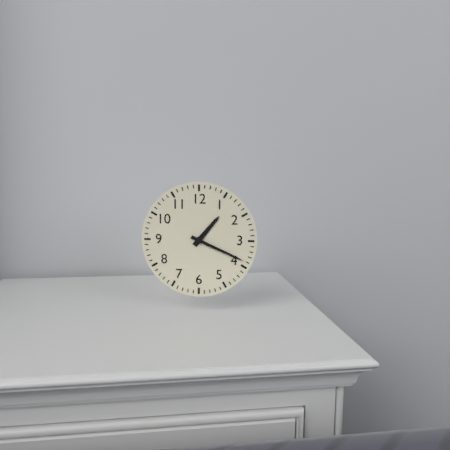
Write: 1,19
